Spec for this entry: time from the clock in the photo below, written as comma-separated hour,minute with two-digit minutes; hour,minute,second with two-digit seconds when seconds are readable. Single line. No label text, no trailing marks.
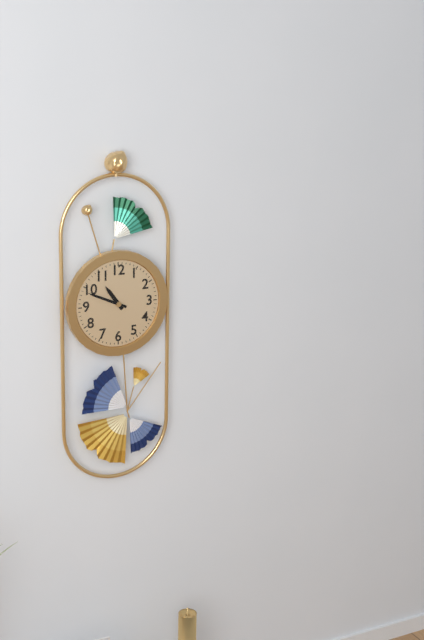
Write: 10,49
